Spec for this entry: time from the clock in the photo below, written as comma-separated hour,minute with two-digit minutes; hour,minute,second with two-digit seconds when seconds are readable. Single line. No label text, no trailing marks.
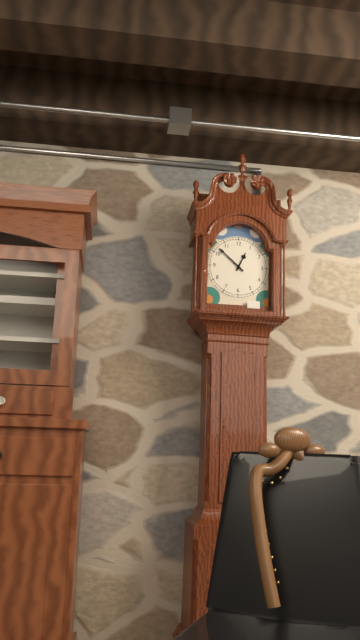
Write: 12,52
